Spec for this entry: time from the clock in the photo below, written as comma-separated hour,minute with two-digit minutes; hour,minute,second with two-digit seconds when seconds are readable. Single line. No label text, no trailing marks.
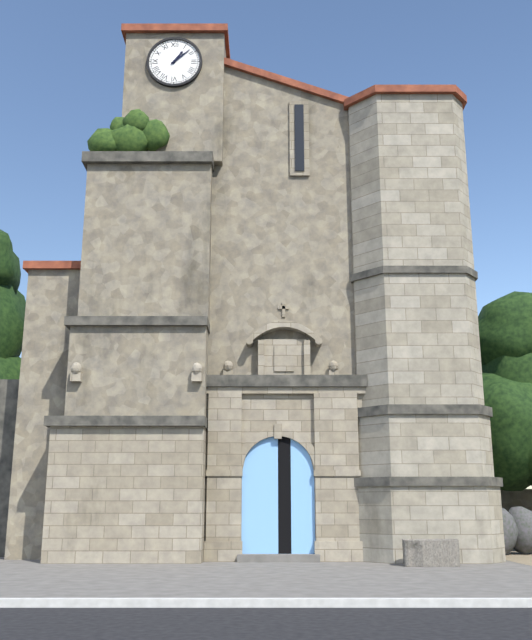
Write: 1,08
